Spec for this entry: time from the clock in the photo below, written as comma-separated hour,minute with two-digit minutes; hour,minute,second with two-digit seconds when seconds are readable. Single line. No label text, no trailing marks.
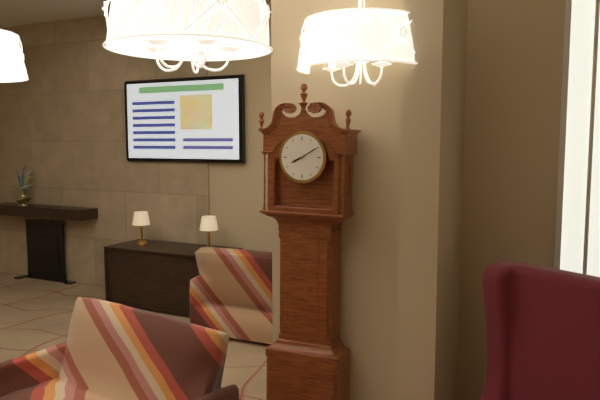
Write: 8,10
